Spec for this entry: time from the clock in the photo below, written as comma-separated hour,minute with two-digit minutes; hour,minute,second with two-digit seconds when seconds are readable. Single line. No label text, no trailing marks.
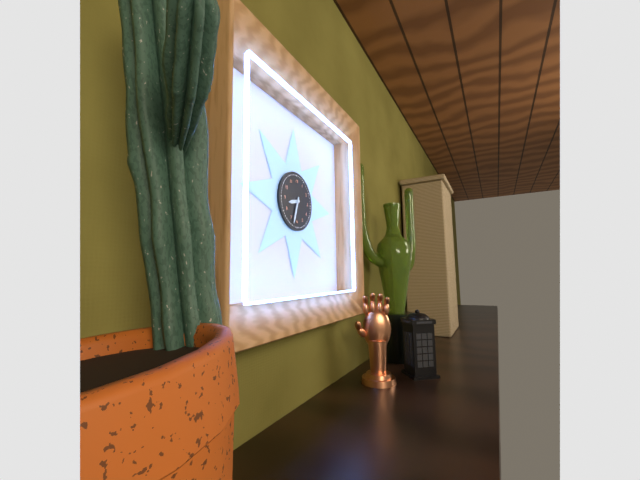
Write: 8,33
